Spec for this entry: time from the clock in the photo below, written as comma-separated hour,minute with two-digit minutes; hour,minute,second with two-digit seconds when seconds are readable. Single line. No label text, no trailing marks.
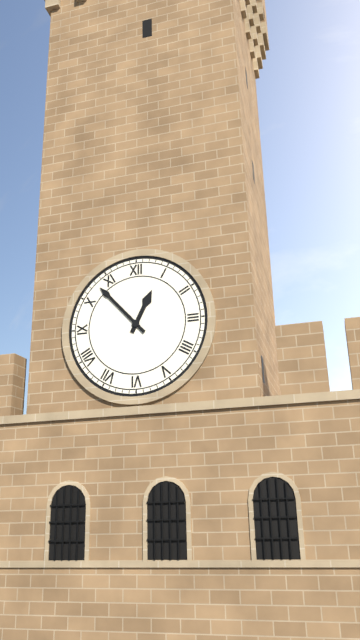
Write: 12,53
